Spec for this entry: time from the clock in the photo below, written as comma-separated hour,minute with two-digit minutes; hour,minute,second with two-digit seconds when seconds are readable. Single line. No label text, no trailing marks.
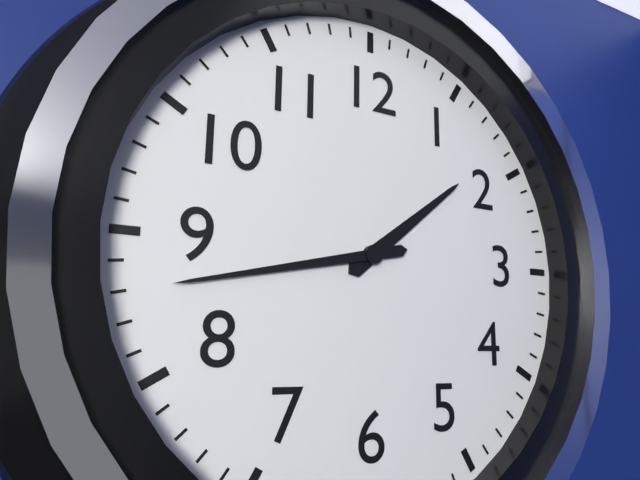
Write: 1,43
